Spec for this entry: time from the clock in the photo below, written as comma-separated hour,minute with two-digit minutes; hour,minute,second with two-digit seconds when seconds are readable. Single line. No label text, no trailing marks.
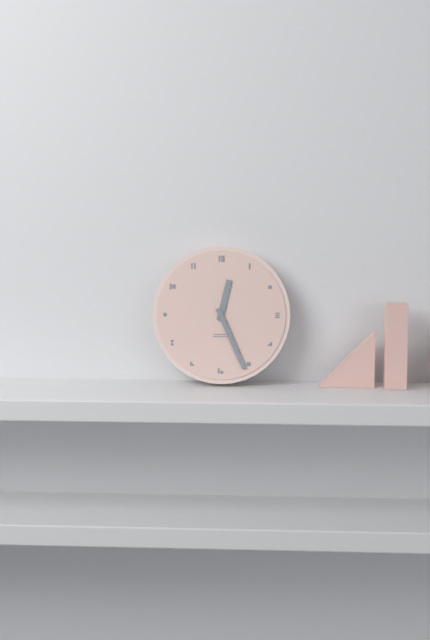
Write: 12,26
